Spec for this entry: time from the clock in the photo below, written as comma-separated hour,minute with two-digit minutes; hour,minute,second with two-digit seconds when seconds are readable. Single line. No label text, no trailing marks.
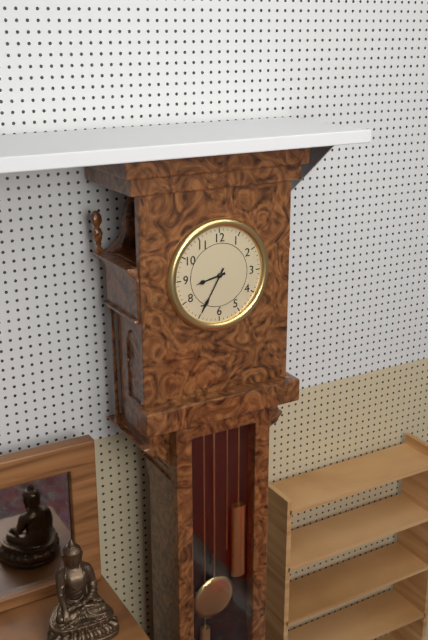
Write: 8,35
